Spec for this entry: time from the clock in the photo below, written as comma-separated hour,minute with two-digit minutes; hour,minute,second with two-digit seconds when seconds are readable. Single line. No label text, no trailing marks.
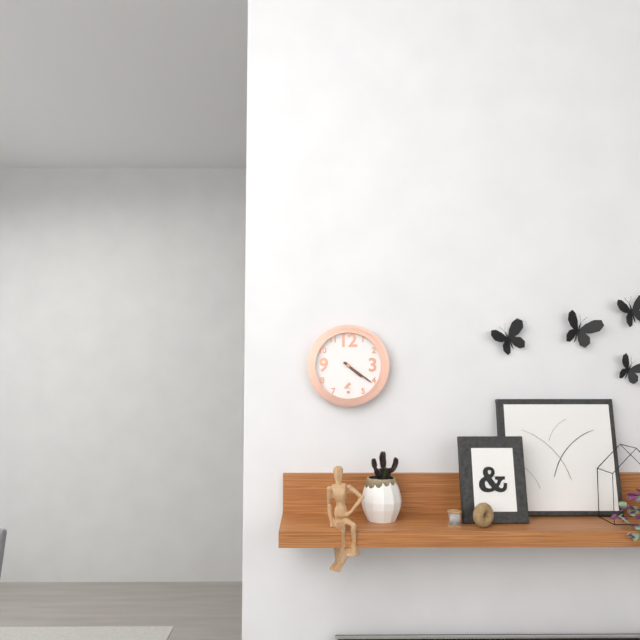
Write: 4,21
